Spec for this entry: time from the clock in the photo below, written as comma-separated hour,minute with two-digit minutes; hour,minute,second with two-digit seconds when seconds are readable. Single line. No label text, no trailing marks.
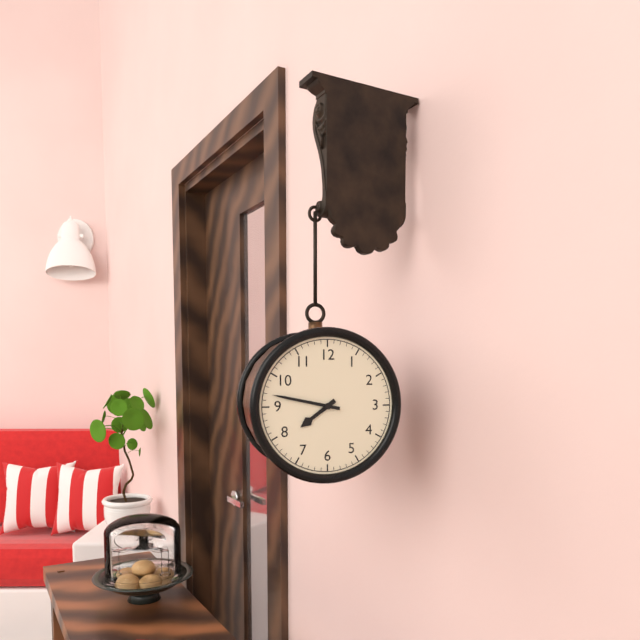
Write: 7,47
